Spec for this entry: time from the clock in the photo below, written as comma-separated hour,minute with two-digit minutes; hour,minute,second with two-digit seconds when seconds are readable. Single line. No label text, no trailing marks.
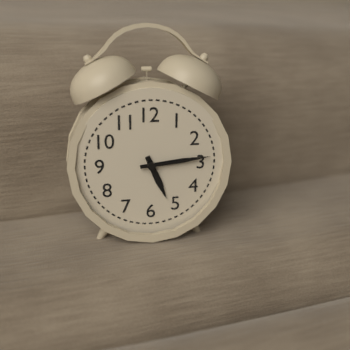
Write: 5,14,14
